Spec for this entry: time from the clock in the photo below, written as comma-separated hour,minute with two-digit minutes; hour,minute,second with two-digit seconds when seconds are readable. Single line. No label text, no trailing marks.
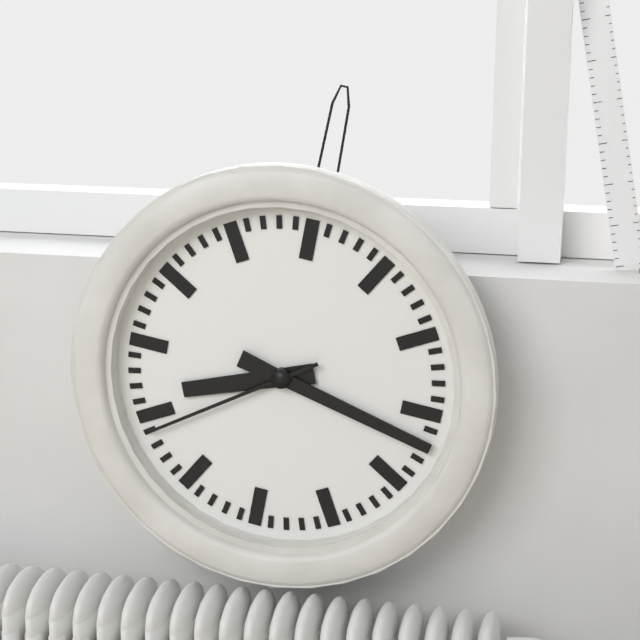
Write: 8,17,39
